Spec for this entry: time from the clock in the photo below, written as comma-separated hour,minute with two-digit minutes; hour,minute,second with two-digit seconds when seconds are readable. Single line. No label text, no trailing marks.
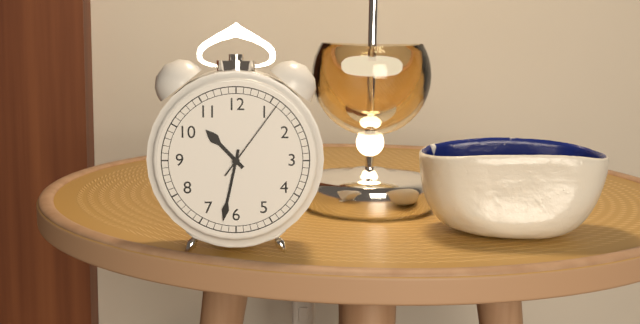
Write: 10,32,06
